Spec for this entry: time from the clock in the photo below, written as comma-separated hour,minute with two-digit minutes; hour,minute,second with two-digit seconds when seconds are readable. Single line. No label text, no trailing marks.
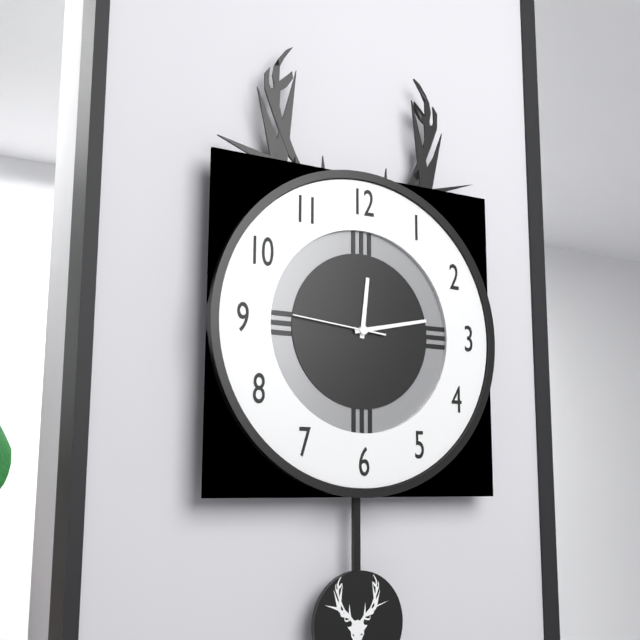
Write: 12,13,46
